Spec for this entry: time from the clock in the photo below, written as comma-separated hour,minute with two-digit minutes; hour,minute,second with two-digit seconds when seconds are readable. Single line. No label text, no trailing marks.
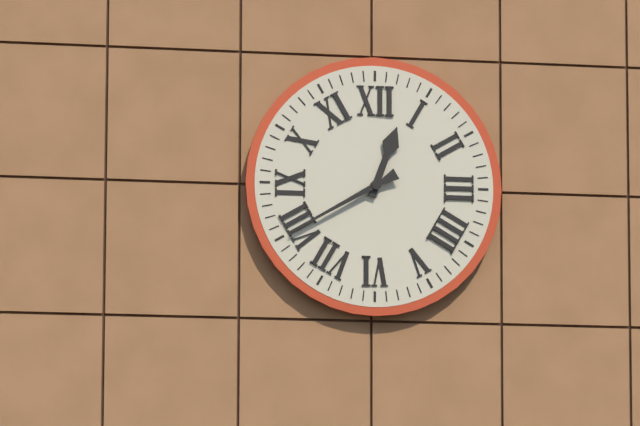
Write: 12,40
